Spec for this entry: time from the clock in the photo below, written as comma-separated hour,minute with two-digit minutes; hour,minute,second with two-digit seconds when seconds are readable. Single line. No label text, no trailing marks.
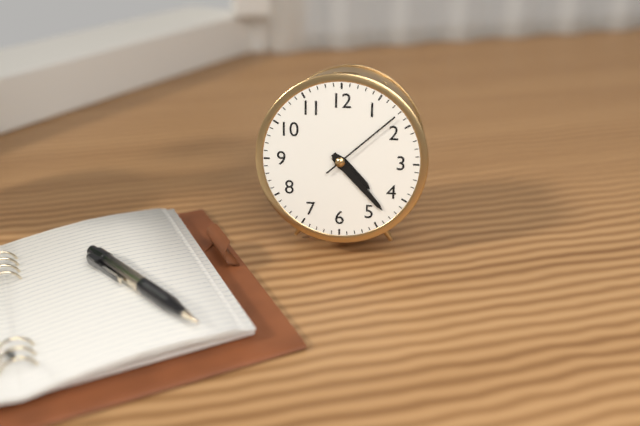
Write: 4,23,08
